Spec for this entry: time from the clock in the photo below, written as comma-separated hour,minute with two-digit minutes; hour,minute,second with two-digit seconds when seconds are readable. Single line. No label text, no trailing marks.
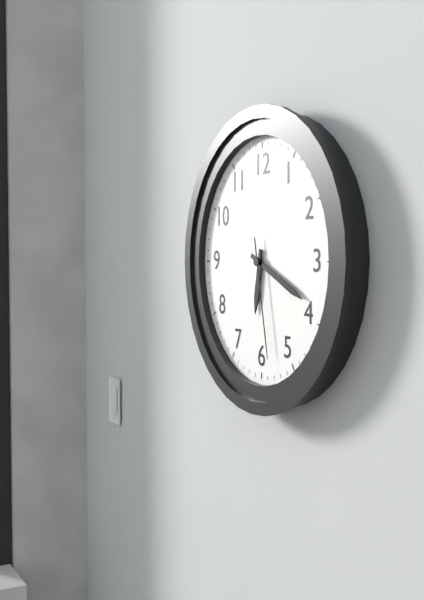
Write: 6,19,28
